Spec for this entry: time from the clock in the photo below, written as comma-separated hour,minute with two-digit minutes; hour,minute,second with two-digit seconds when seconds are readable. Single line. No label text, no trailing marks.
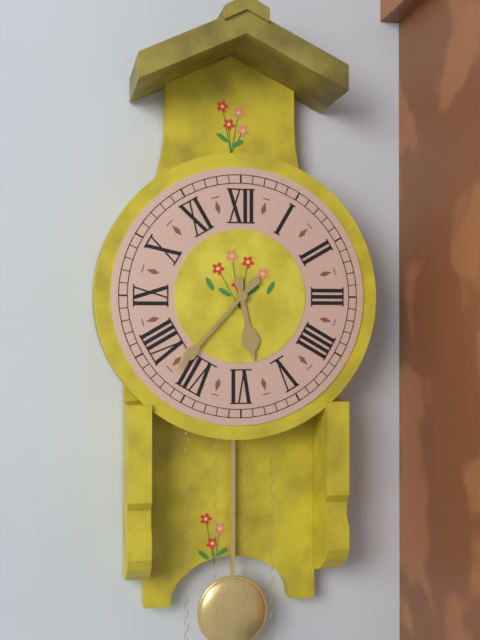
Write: 5,37
